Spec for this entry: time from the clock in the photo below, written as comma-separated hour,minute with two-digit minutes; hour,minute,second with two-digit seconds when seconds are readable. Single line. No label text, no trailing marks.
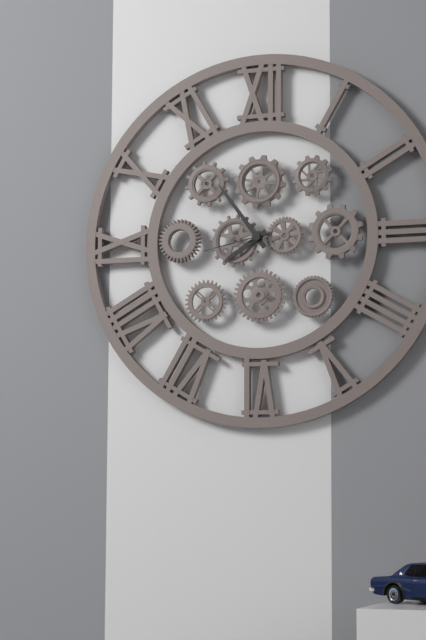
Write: 7,54,43
